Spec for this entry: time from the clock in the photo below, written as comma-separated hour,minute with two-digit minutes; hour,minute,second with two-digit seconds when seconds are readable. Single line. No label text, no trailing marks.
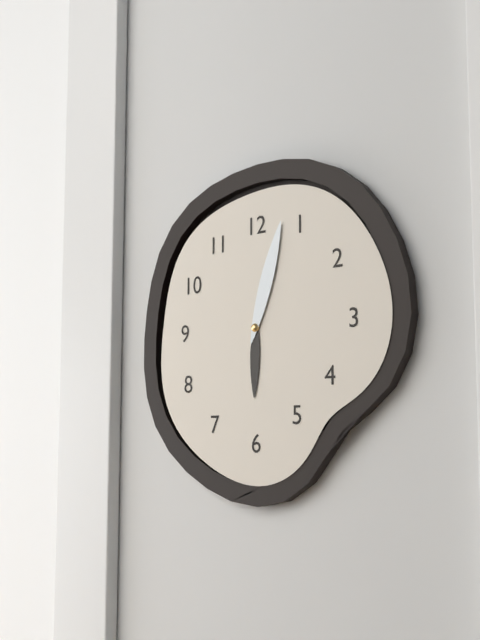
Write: 6,03
